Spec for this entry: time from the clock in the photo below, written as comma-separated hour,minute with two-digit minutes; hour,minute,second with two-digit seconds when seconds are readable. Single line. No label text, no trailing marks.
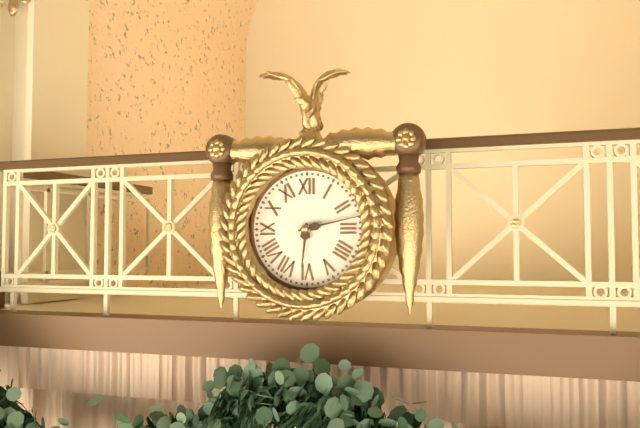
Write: 6,13
